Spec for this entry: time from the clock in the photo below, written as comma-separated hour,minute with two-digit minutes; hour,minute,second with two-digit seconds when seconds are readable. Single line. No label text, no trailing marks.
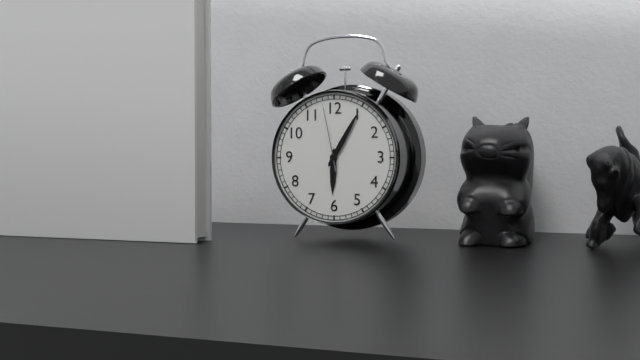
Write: 6,05,58
